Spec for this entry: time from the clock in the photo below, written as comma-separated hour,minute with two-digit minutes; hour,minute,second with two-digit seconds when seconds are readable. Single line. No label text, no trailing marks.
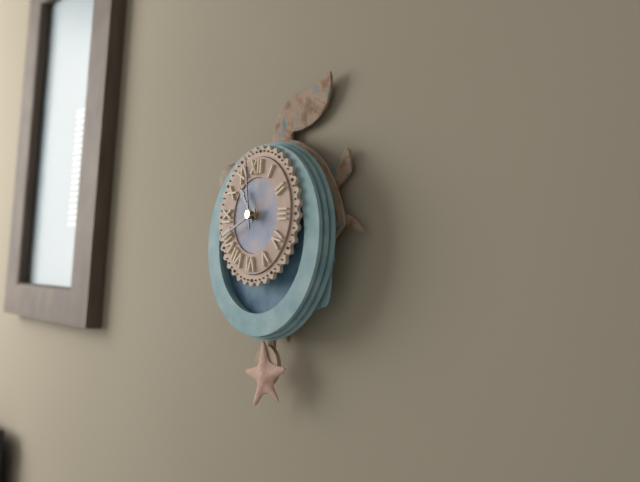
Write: 10,41,58
